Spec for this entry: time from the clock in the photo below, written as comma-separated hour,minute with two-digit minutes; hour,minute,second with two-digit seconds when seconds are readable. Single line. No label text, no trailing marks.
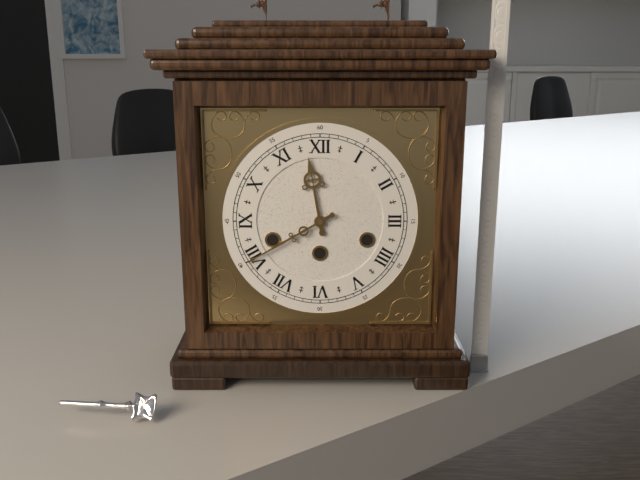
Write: 11,40
